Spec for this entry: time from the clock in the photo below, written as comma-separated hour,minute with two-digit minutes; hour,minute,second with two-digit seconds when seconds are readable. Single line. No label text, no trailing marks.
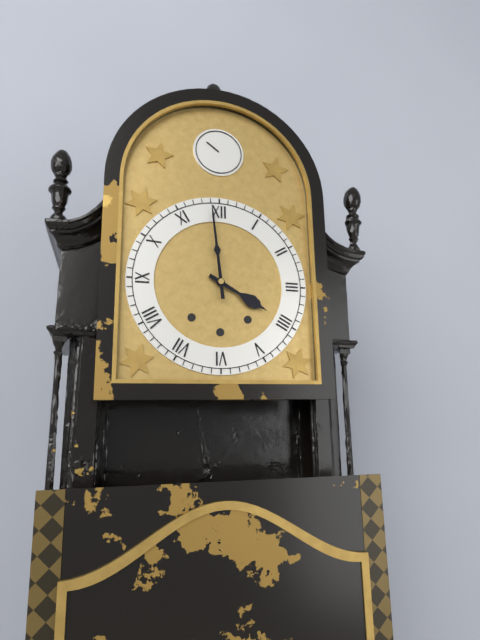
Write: 3,59
